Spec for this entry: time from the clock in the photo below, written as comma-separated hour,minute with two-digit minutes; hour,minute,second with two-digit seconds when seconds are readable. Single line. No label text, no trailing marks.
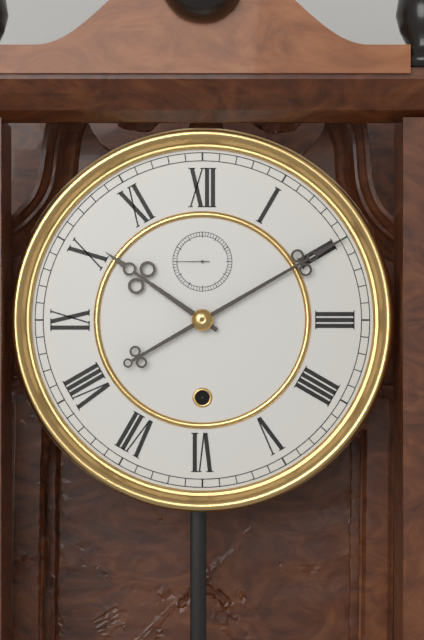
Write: 10,10
